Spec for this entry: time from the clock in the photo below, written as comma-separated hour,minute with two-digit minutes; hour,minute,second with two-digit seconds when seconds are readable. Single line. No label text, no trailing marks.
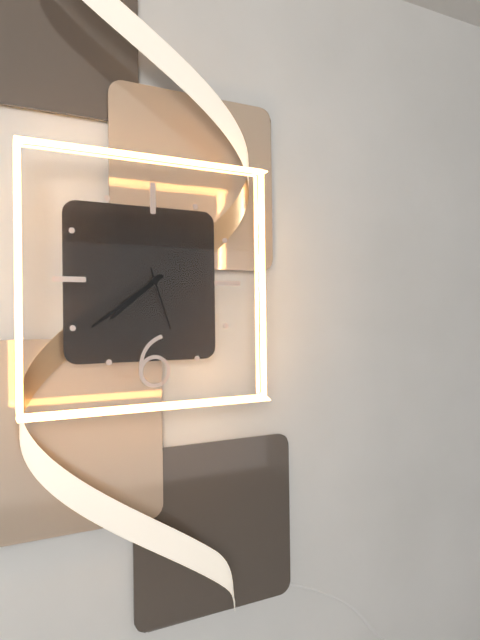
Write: 7,39,27
